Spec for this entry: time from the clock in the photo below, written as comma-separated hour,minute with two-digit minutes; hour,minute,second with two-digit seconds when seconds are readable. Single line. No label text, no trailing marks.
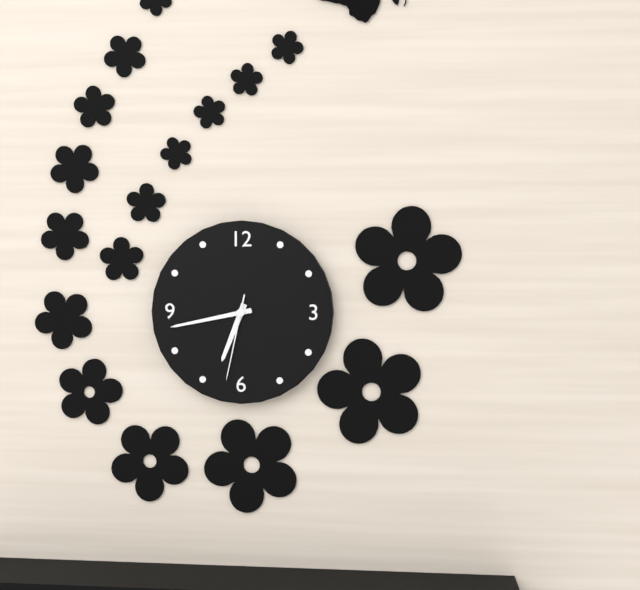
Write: 6,43,32
